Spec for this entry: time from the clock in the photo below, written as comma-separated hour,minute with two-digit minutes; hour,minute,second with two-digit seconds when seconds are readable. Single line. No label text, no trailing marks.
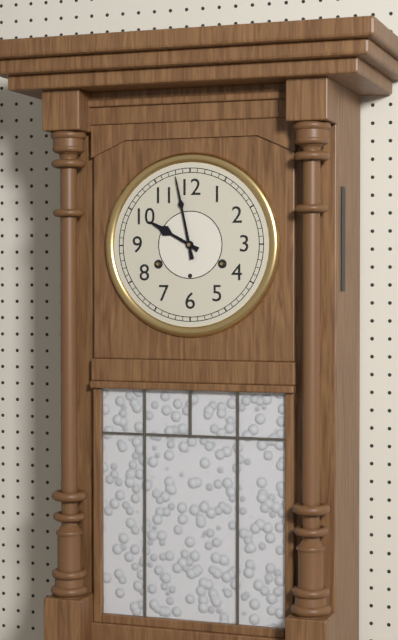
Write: 9,58
